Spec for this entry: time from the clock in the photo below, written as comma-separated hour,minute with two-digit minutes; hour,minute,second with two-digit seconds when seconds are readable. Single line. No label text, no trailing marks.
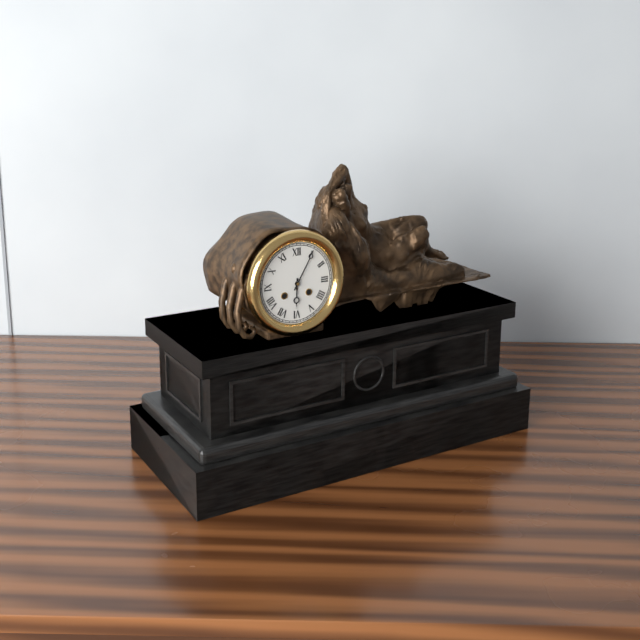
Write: 6,05
